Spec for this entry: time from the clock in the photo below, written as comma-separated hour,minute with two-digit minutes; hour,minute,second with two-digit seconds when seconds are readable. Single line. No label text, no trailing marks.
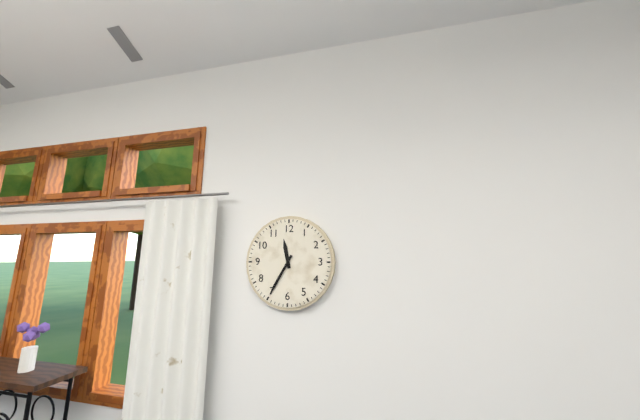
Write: 11,35
